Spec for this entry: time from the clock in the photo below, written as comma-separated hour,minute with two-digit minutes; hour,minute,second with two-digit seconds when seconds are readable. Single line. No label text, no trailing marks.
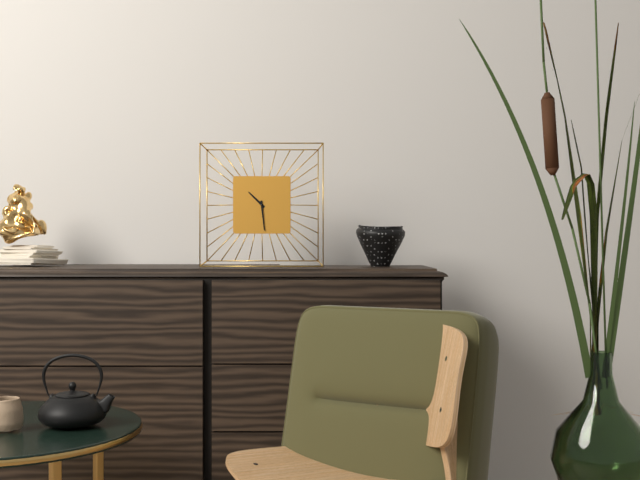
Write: 10,29
